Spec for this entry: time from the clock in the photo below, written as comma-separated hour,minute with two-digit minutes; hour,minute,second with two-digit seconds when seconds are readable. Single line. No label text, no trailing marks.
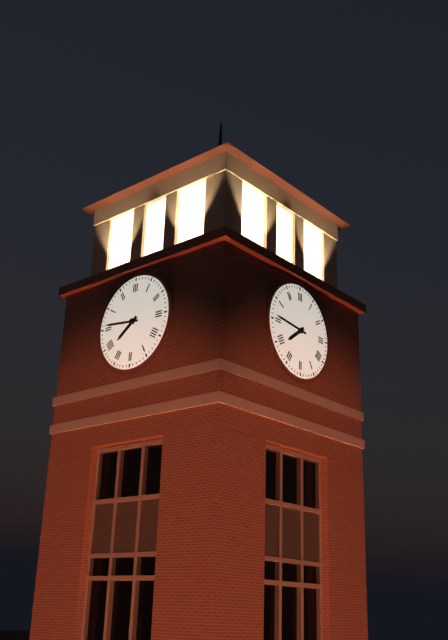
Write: 7,46
